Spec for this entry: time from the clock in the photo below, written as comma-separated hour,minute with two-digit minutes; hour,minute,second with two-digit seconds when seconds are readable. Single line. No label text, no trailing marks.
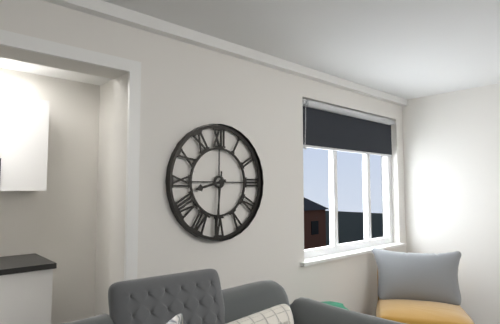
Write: 8,31
